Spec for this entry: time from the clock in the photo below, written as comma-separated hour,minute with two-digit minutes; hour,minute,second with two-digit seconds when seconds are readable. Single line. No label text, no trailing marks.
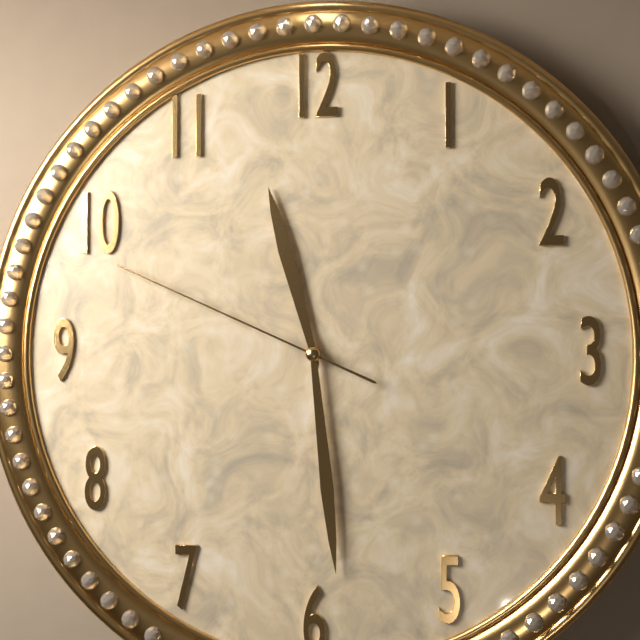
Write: 11,29,49
